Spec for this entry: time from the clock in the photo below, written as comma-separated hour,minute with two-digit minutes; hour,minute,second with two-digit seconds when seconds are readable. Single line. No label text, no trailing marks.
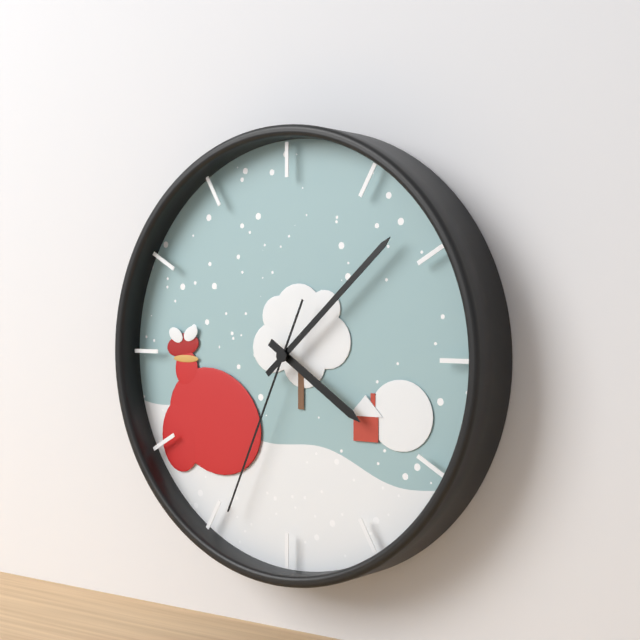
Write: 4,08,34
